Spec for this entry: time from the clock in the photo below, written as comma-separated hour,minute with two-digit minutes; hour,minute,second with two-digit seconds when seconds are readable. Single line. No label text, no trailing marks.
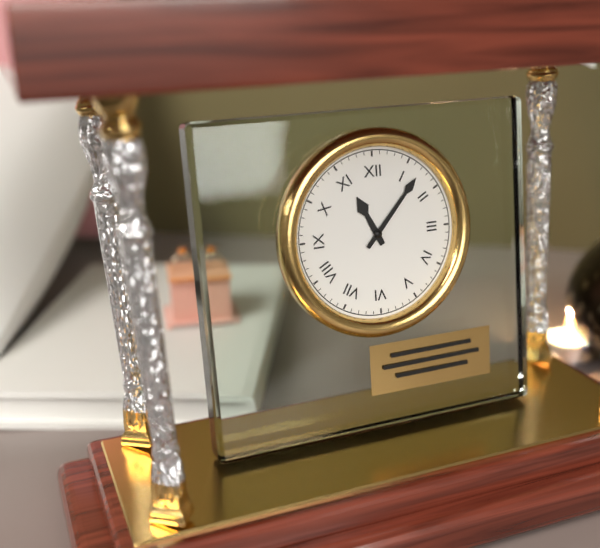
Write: 11,07
